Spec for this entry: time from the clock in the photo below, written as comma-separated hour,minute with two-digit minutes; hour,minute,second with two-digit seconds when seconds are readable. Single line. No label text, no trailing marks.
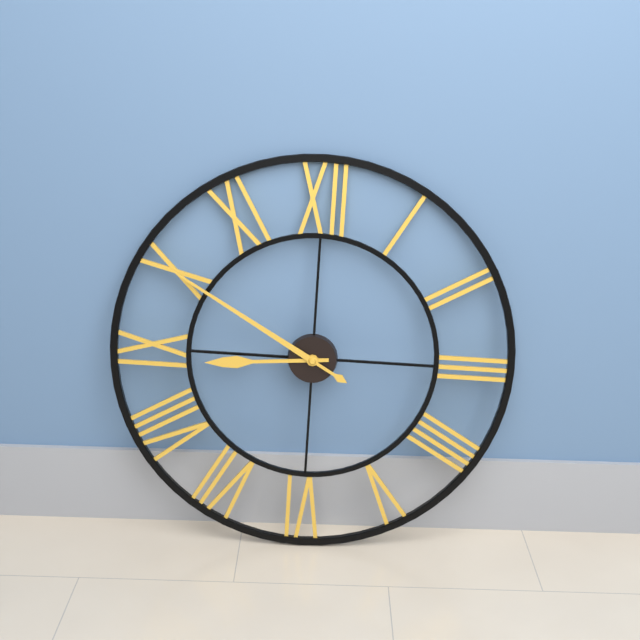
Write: 8,50
